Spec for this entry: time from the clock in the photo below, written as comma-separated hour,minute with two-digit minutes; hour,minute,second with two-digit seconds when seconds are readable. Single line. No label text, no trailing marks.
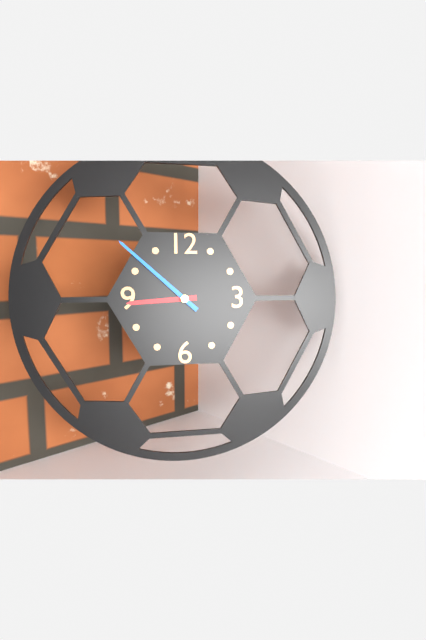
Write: 8,52
